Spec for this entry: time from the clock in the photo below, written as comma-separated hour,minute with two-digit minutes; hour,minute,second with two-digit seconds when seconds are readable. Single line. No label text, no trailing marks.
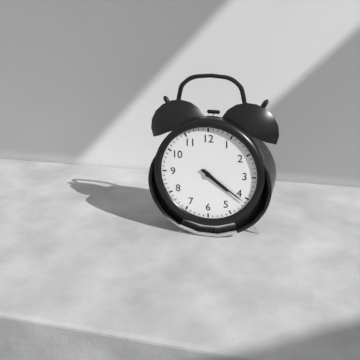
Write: 4,21
